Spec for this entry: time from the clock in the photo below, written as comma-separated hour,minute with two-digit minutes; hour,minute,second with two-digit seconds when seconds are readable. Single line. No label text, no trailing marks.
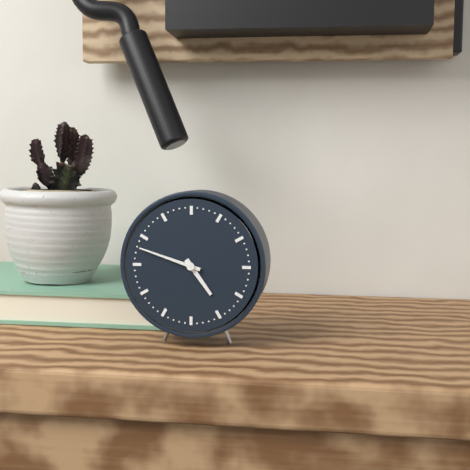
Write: 4,48
